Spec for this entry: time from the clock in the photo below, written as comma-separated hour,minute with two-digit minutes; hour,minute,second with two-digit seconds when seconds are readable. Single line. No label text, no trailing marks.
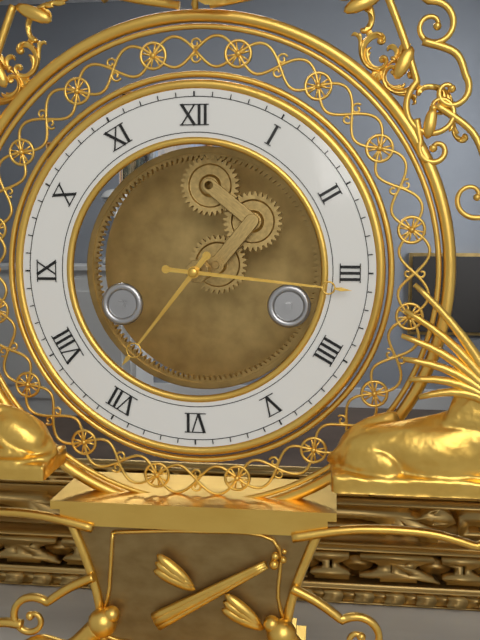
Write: 7,16
